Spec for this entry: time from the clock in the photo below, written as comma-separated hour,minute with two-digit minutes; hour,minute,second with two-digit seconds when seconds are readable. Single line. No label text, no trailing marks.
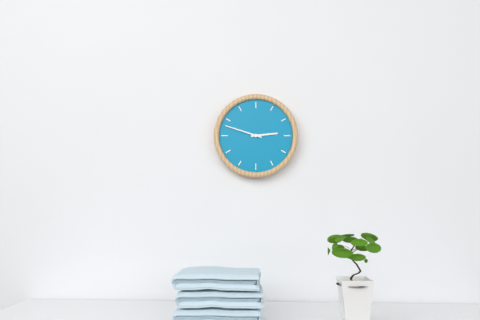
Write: 2,48
